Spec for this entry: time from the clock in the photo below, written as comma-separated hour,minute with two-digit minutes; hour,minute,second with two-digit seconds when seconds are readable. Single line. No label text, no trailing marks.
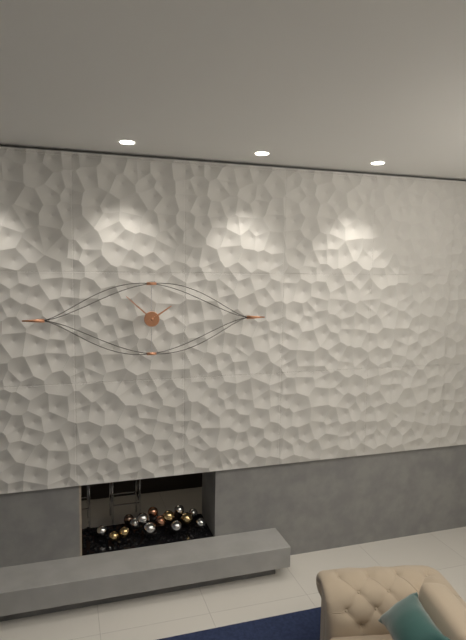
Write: 1,52
